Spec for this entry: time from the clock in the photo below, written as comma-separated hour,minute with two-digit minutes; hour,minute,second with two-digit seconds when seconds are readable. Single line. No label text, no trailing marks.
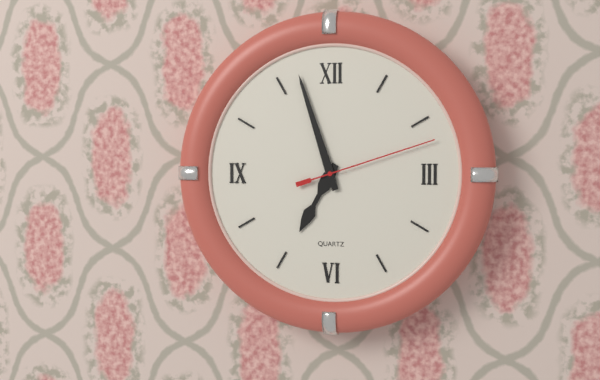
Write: 6,57,12
